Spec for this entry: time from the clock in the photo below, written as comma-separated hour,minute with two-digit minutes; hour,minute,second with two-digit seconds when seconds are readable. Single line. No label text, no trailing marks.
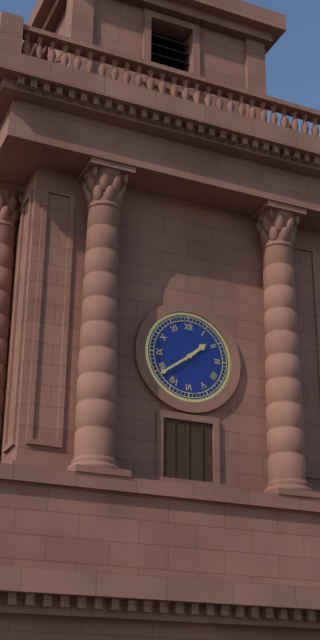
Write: 1,39
